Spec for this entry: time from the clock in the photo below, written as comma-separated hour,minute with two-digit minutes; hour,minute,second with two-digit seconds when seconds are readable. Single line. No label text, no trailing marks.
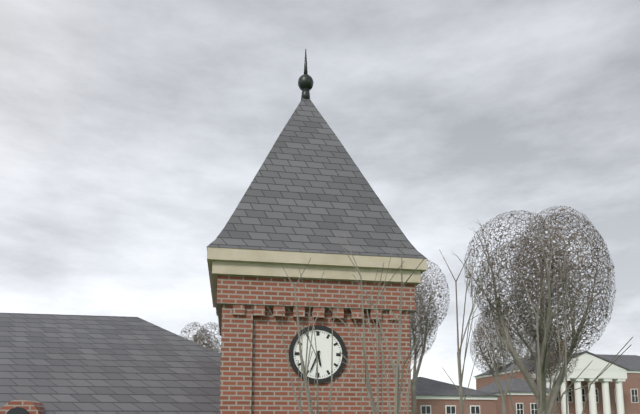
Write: 5,34
